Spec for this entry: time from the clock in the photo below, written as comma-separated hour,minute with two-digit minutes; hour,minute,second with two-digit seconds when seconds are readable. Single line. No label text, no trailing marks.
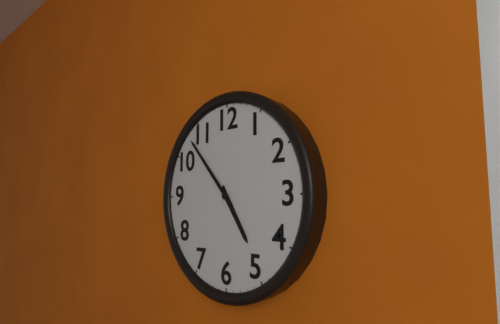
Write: 4,53
